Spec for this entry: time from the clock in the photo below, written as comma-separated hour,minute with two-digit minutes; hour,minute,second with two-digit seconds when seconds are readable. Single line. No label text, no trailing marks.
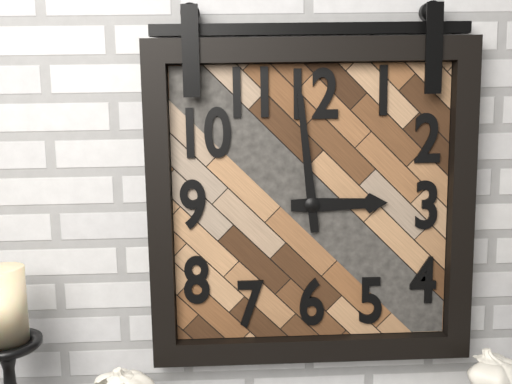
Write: 2,59
